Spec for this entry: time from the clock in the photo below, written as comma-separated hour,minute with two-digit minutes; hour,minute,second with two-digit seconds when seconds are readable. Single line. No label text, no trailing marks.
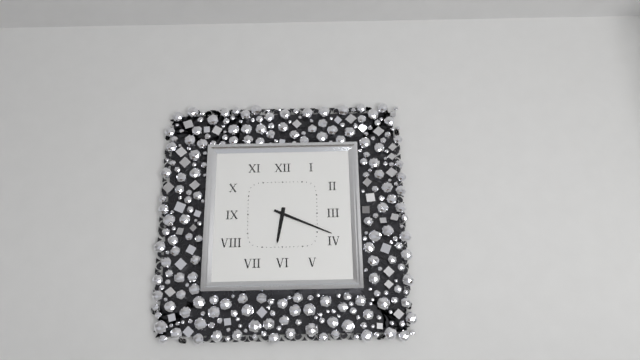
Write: 6,19
